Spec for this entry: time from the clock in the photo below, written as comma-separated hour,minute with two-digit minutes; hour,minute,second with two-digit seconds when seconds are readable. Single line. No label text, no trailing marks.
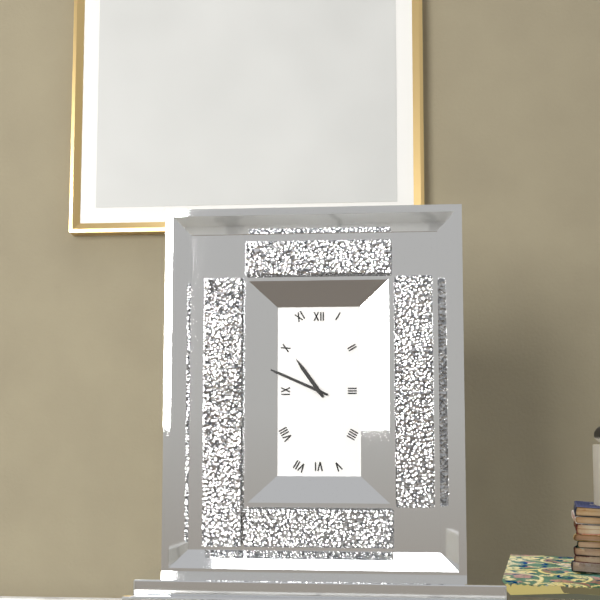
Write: 10,49
